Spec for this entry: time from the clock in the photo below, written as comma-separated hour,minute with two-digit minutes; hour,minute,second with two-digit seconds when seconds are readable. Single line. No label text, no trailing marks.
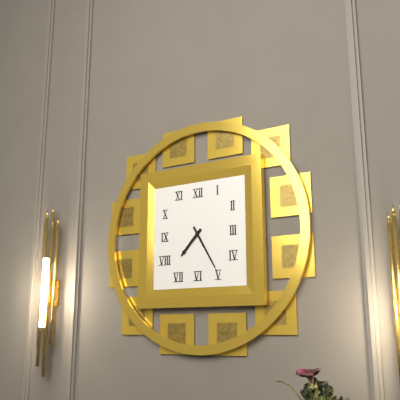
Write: 7,25
